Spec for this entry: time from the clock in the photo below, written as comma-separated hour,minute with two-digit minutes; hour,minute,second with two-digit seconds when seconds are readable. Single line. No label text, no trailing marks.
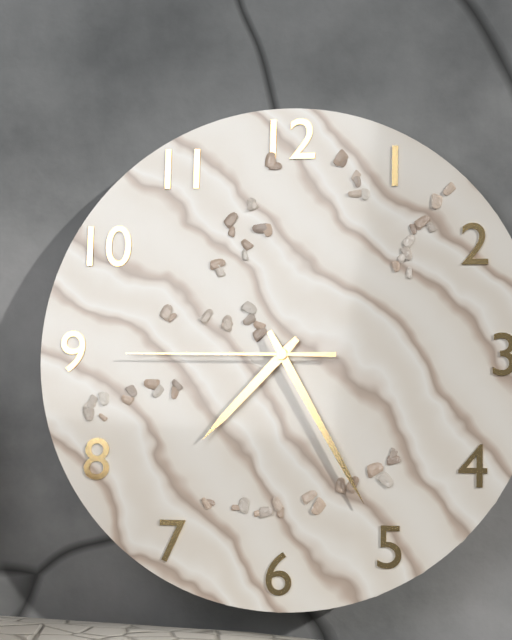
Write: 7,25,45
